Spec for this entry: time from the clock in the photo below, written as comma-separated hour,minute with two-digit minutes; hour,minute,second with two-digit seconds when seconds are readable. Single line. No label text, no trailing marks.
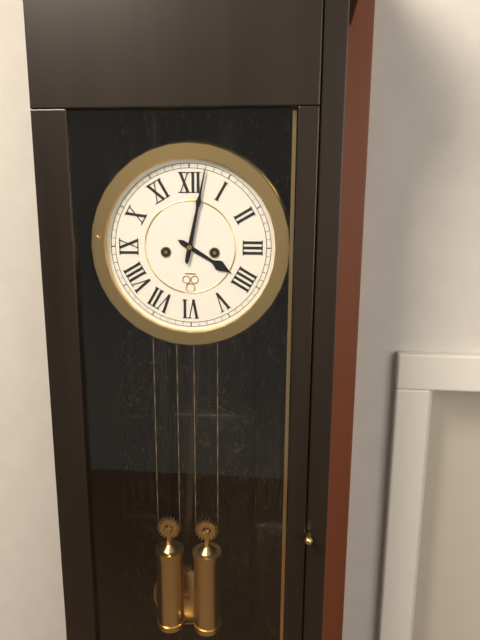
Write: 4,02
